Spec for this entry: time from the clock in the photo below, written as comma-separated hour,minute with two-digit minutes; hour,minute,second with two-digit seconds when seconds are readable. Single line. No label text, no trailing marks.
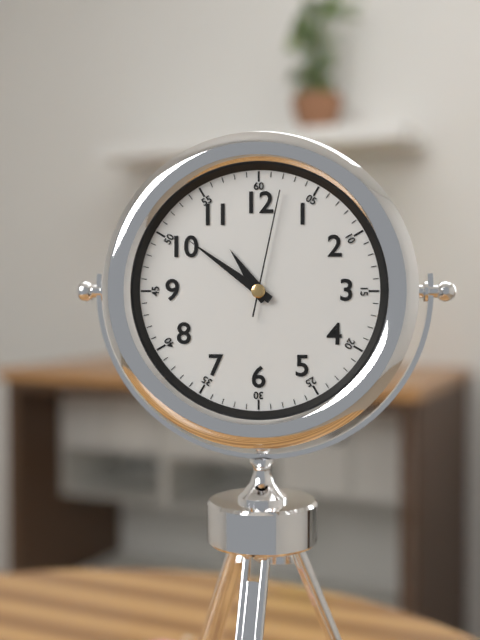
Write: 10,51,02
